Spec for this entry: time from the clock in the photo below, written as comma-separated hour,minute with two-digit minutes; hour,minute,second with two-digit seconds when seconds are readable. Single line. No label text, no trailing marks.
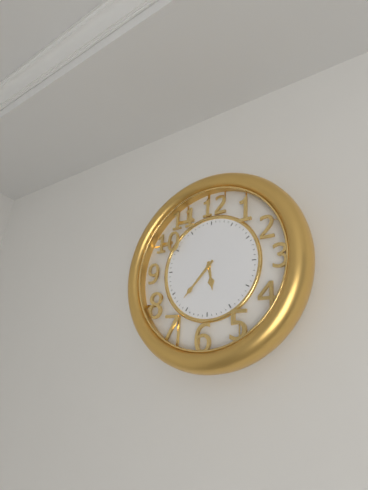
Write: 5,37
